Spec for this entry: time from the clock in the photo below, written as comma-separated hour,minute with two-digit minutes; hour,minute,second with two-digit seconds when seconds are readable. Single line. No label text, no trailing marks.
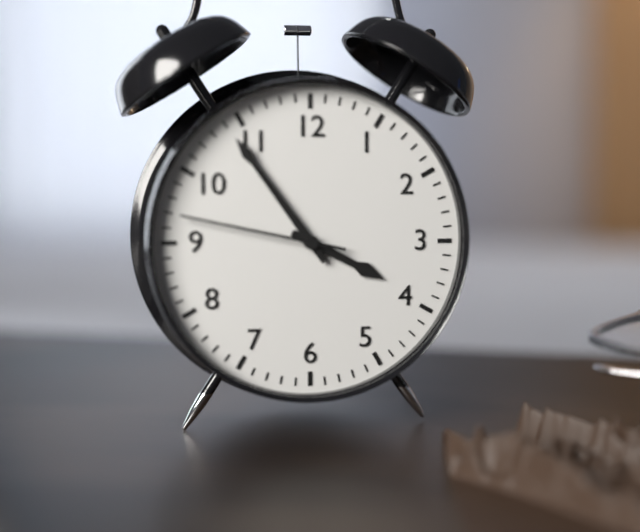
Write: 3,54,47
